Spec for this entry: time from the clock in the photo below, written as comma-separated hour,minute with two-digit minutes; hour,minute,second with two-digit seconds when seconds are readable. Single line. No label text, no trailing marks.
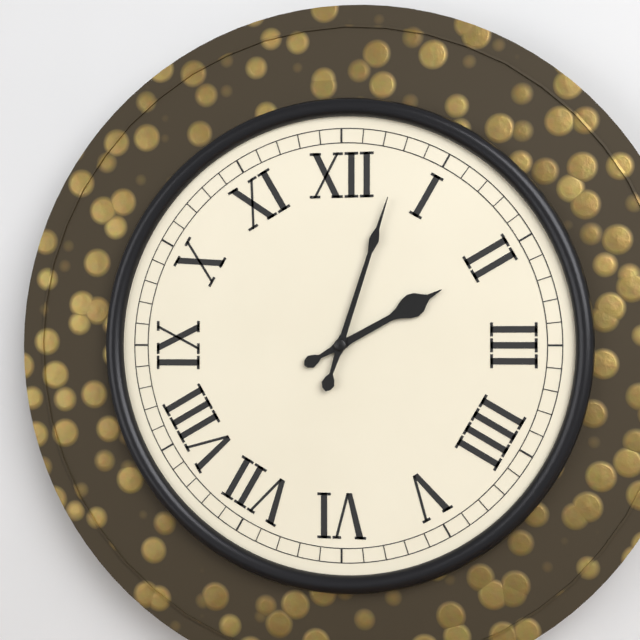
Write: 2,03
